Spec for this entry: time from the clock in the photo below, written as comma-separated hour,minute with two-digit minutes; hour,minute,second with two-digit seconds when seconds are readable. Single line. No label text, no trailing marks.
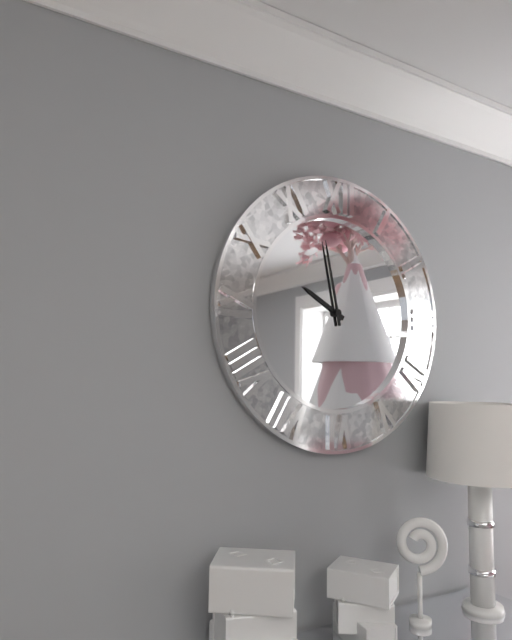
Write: 9,58
